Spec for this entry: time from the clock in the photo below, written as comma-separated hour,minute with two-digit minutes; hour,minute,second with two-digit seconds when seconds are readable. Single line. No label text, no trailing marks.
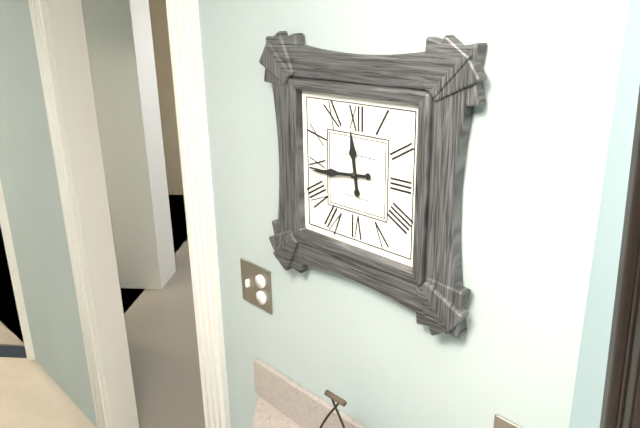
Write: 11,44
